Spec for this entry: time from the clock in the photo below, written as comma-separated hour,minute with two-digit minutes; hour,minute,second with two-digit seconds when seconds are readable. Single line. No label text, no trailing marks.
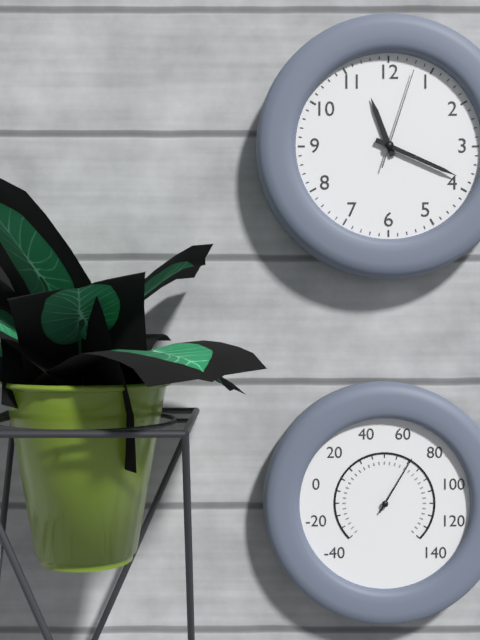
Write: 11,19,03
